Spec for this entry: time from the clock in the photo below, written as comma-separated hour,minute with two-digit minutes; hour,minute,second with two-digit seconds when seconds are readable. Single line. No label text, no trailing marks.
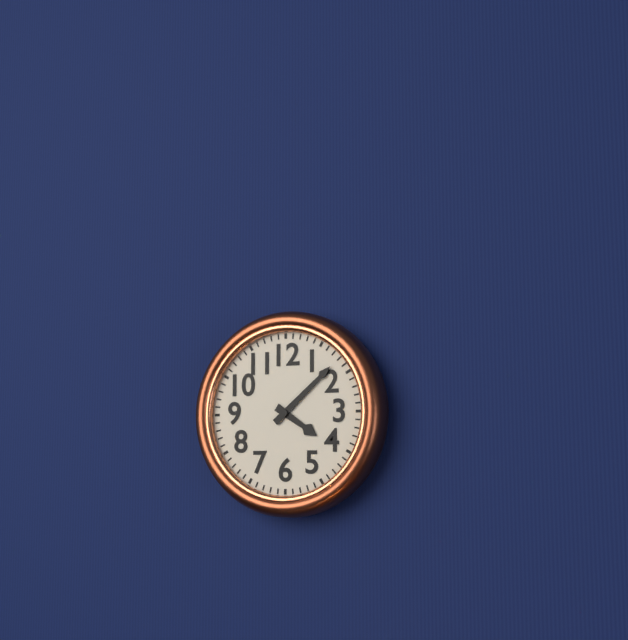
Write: 4,08
